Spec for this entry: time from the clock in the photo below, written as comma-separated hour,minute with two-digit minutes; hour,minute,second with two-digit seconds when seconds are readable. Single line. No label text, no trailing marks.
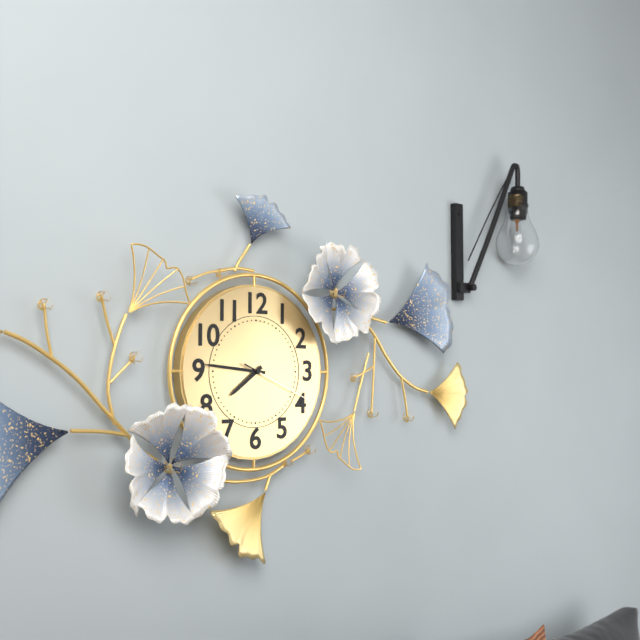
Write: 7,46,19
